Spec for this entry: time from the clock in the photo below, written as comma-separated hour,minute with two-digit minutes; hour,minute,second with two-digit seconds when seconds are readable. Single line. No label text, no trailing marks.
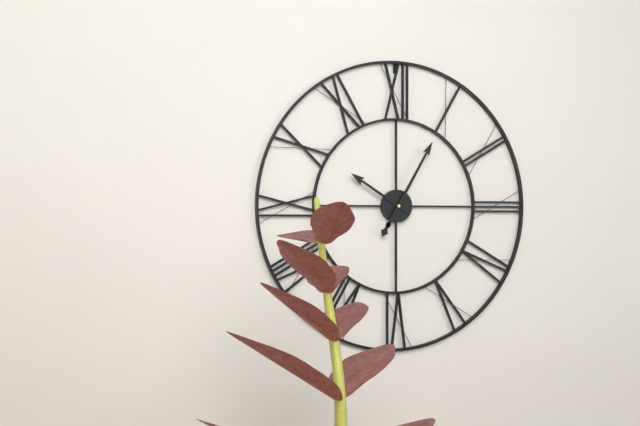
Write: 10,05
